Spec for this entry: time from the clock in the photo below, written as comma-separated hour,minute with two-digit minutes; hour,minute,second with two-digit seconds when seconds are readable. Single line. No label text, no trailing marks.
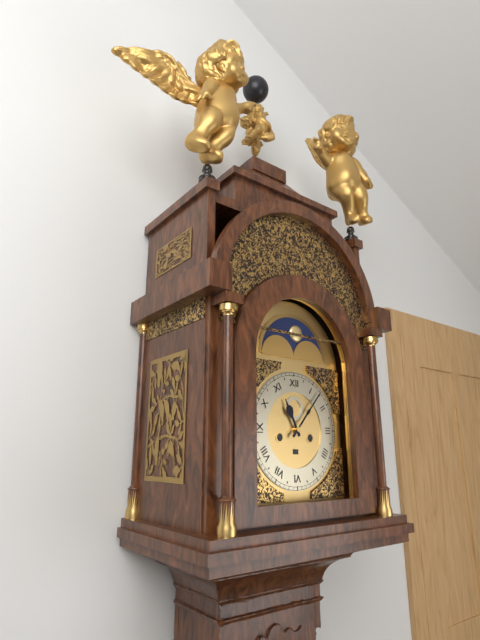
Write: 11,07
